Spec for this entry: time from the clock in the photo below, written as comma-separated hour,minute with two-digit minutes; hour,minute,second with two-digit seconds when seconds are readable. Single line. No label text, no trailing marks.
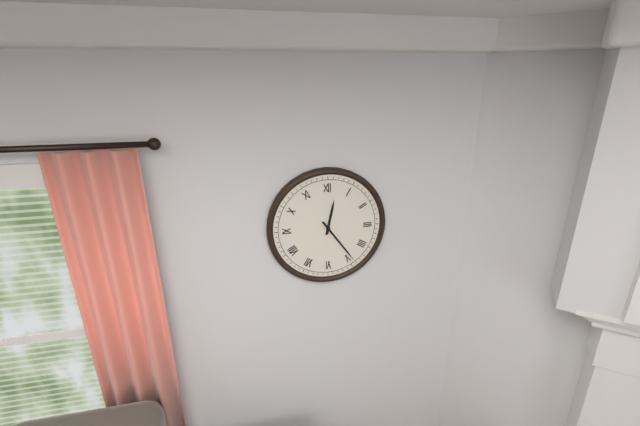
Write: 12,24
